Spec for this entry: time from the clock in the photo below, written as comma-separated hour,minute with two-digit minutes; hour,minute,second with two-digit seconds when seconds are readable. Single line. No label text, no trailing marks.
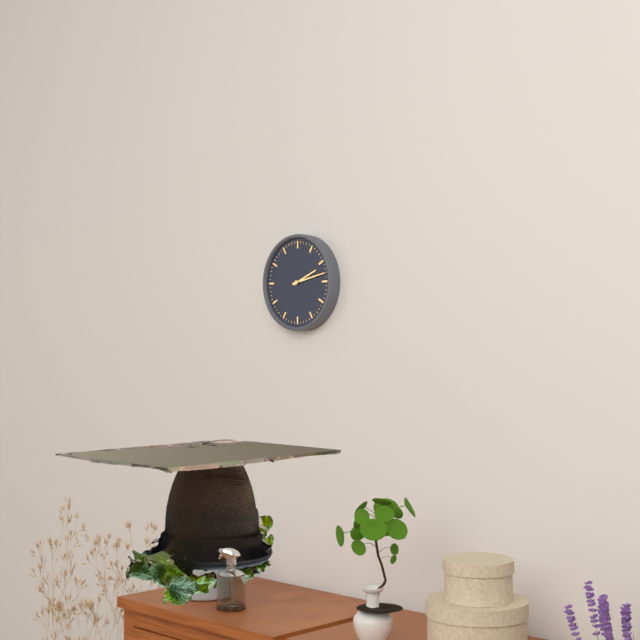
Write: 2,13
